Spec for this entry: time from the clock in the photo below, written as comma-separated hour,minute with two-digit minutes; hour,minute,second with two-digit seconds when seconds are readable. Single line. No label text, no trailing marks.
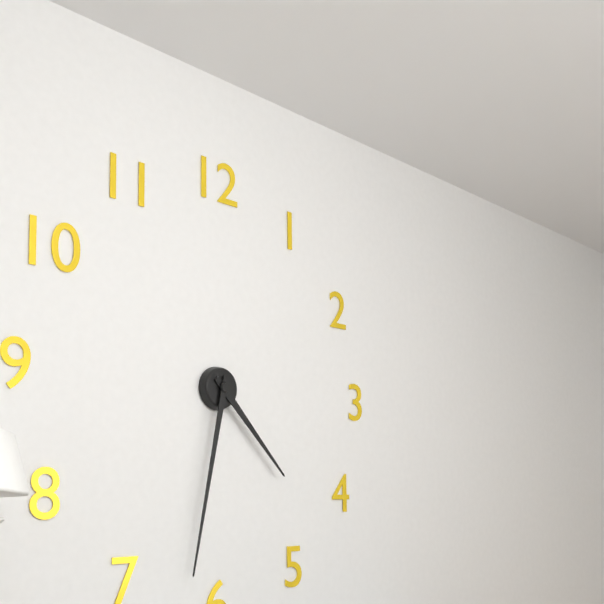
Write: 4,32
